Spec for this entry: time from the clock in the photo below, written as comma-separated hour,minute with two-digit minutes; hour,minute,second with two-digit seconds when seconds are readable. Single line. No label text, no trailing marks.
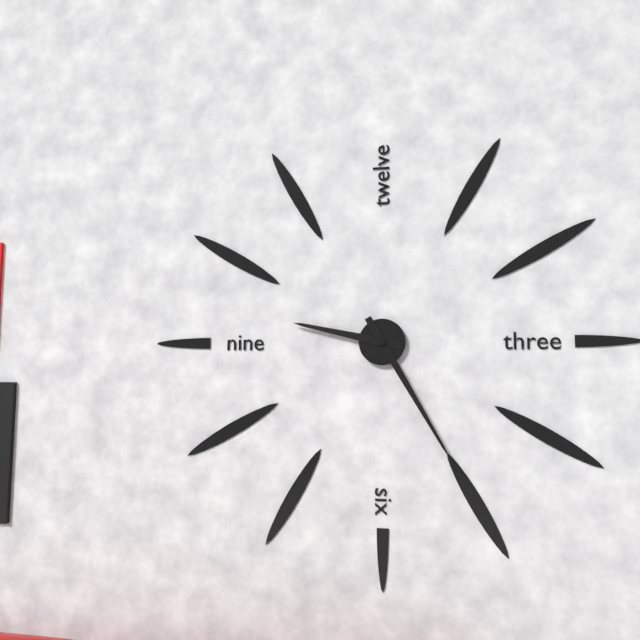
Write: 9,25
